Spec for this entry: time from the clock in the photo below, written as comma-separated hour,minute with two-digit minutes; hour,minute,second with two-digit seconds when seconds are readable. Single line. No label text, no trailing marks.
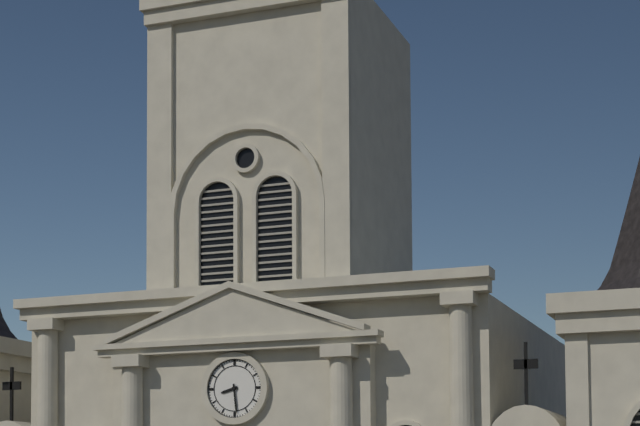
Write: 8,29
